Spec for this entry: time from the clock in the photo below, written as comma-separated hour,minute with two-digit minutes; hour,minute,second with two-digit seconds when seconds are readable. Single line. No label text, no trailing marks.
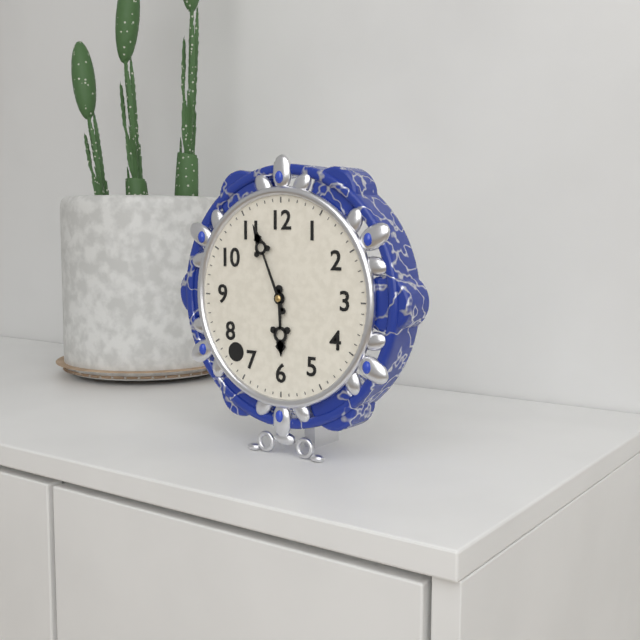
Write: 5,56
